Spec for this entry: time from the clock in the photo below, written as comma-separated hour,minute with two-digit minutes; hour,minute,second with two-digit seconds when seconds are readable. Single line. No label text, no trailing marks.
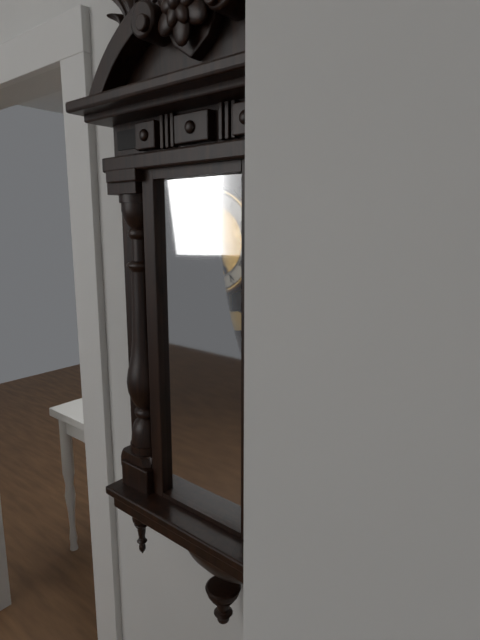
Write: 5,26
